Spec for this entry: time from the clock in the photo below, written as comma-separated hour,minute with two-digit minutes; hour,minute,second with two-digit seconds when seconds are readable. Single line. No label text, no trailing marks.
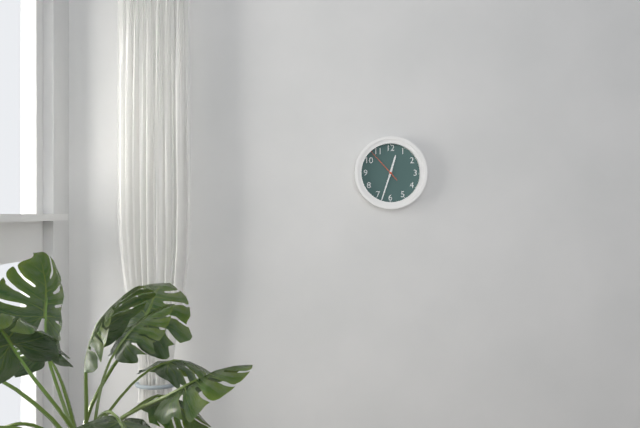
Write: 12,33
